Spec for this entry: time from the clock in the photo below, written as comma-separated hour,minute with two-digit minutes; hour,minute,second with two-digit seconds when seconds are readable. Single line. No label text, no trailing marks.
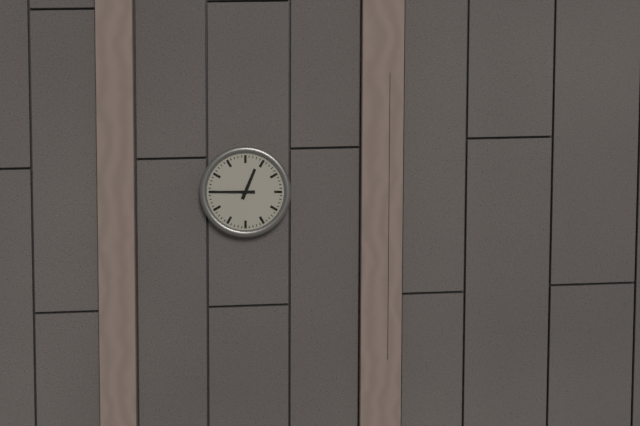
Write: 12,45
